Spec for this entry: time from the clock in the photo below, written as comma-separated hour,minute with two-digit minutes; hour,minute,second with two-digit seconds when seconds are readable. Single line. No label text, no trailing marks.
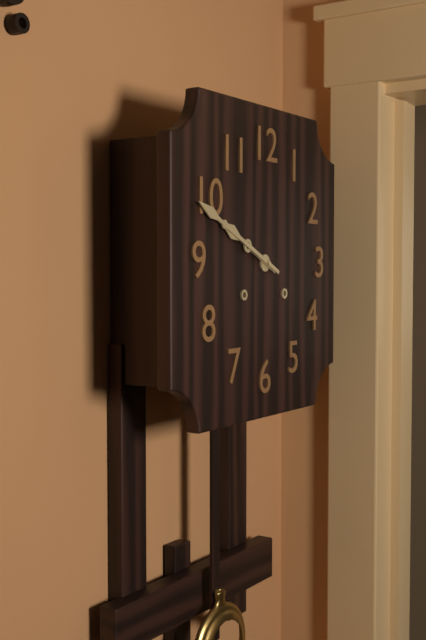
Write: 9,49
